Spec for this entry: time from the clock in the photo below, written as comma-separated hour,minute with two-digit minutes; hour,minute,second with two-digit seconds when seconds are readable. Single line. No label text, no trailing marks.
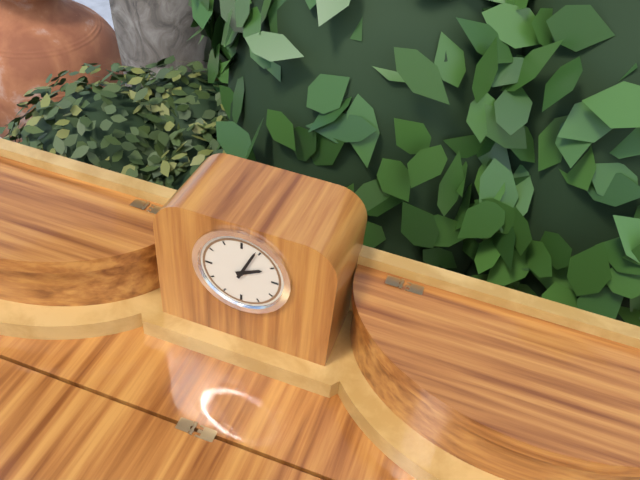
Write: 2,04
